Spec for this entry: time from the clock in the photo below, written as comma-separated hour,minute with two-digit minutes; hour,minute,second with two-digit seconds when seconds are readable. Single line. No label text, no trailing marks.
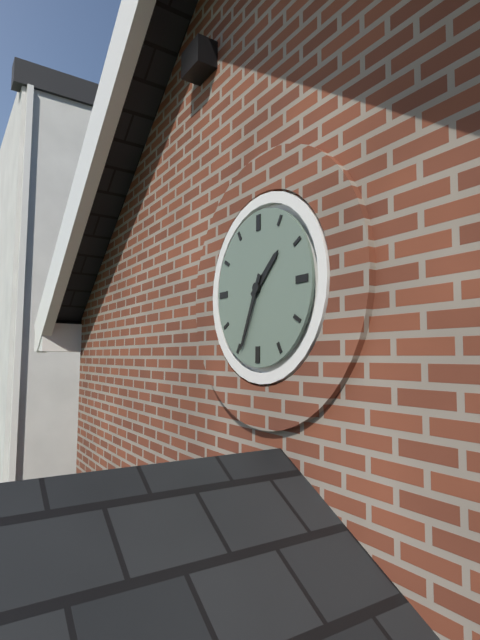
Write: 1,34
